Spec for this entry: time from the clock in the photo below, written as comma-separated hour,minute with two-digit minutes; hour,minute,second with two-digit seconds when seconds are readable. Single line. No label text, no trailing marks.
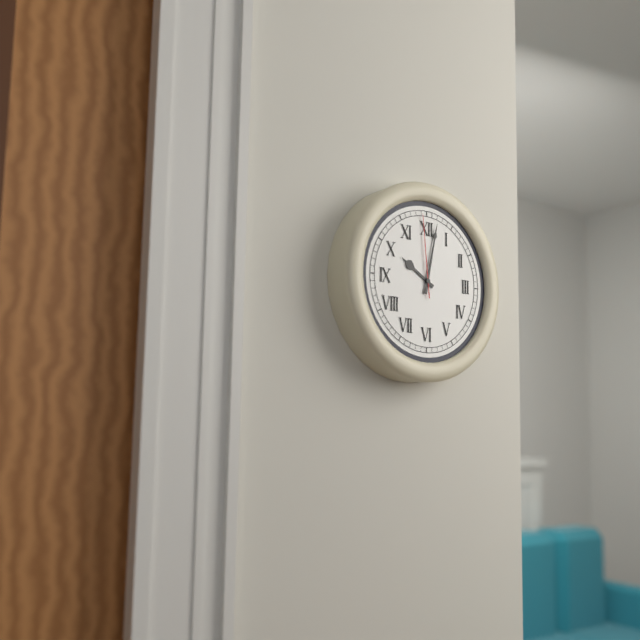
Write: 10,02,59
